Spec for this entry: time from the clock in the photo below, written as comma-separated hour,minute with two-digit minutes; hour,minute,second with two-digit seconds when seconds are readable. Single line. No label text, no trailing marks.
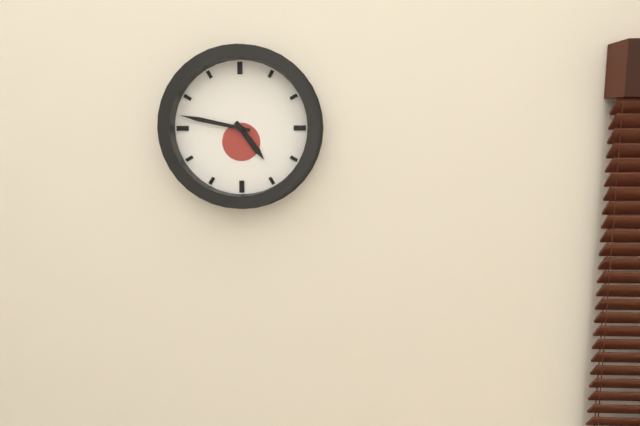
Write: 4,47
